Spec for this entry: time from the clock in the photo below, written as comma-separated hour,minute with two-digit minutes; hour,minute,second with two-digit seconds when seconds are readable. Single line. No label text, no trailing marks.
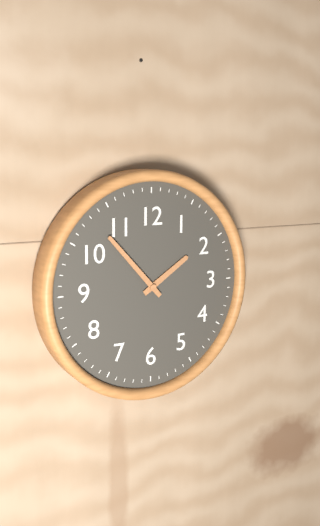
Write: 1,53
